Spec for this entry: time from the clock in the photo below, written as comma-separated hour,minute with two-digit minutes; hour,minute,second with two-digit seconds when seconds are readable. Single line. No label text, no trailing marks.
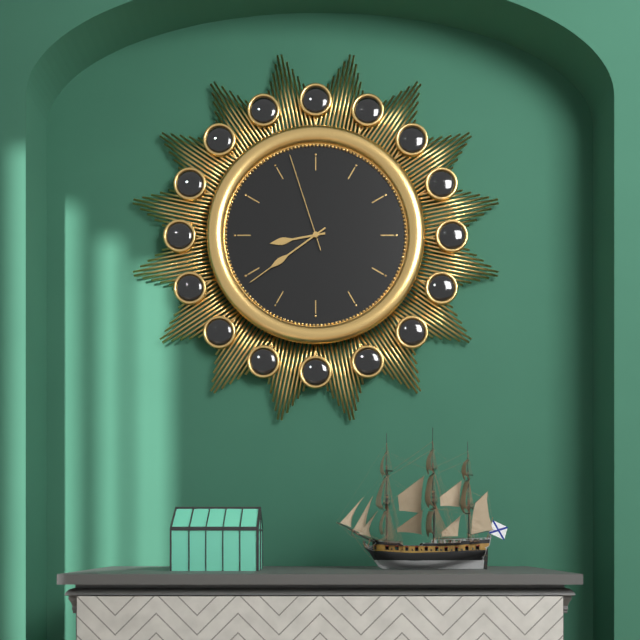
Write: 8,39,57
